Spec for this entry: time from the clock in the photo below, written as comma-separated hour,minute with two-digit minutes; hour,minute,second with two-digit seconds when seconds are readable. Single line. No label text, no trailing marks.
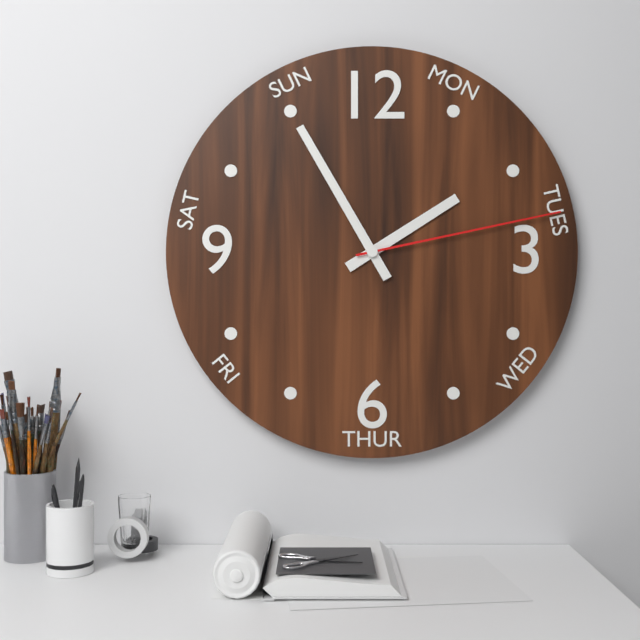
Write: 1,55,13
